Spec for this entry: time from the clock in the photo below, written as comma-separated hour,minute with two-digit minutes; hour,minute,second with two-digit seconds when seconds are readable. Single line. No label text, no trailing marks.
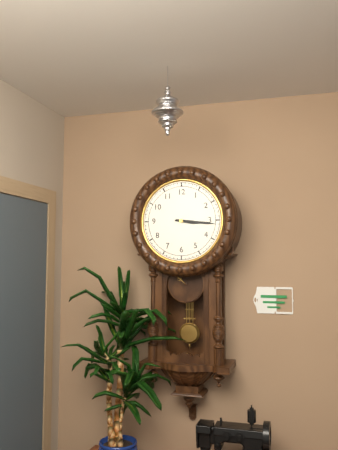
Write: 3,16
